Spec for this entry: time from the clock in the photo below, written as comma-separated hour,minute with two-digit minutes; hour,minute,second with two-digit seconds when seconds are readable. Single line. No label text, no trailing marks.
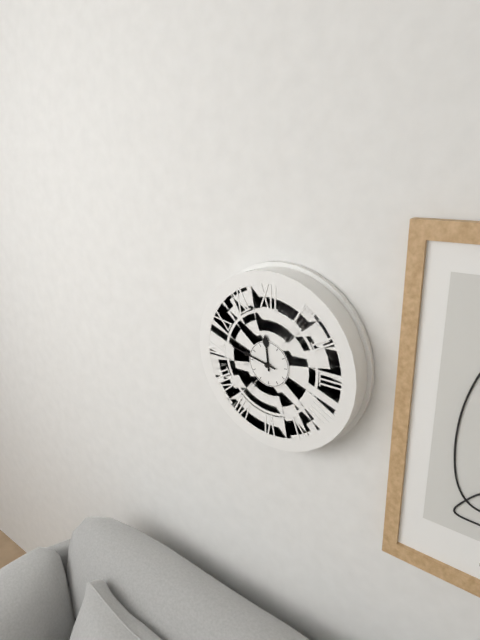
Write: 11,47
